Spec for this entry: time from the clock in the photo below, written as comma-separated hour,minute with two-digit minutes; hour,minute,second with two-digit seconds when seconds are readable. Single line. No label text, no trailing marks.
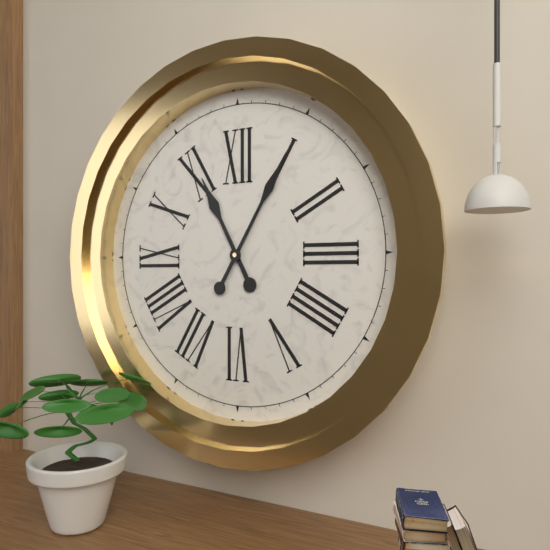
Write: 11,05
